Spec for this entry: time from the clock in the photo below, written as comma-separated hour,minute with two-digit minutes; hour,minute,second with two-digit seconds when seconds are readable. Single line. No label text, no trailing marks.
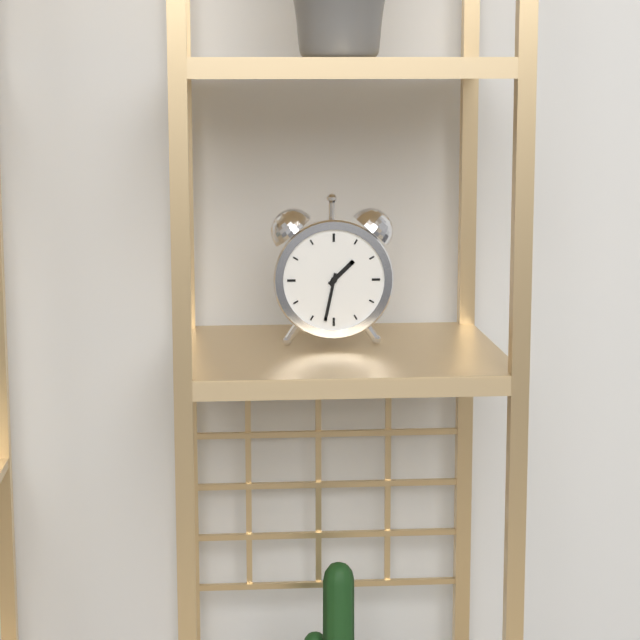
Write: 1,32
